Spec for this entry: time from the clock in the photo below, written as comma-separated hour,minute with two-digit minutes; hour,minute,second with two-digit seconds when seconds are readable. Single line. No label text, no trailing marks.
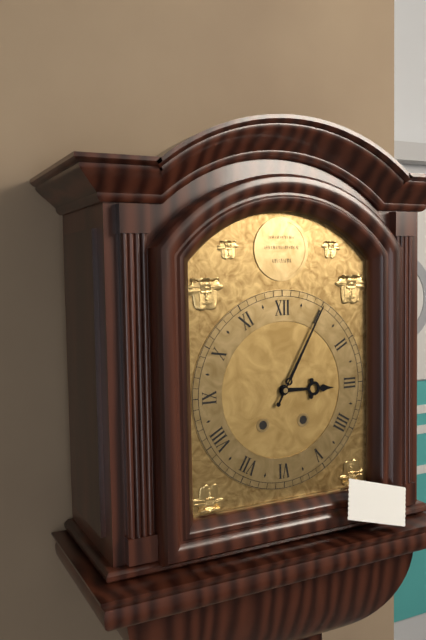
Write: 3,05
